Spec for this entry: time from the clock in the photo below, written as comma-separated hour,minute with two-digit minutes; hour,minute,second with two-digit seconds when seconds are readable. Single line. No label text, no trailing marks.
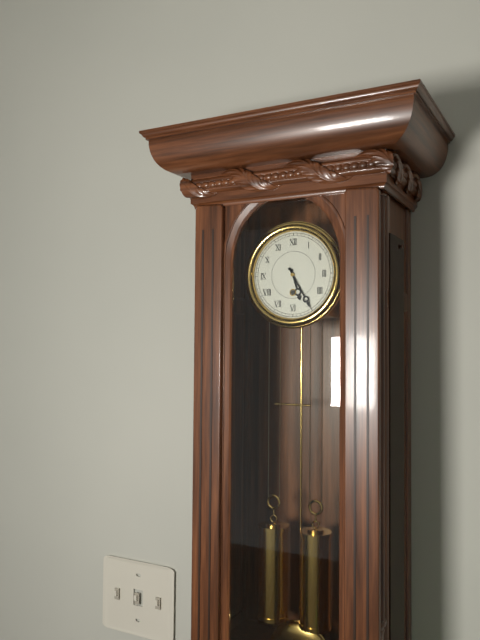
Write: 5,25
